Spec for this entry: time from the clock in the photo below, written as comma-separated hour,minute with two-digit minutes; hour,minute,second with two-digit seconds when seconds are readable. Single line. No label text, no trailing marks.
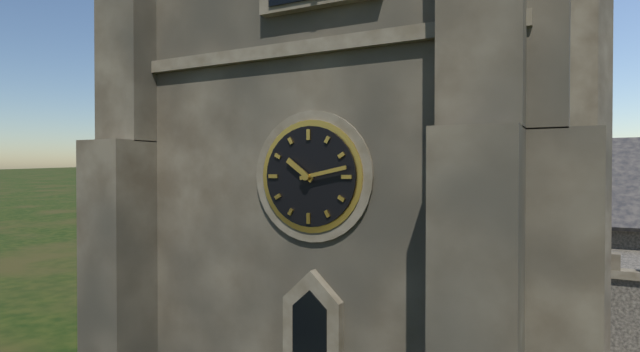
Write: 10,13
